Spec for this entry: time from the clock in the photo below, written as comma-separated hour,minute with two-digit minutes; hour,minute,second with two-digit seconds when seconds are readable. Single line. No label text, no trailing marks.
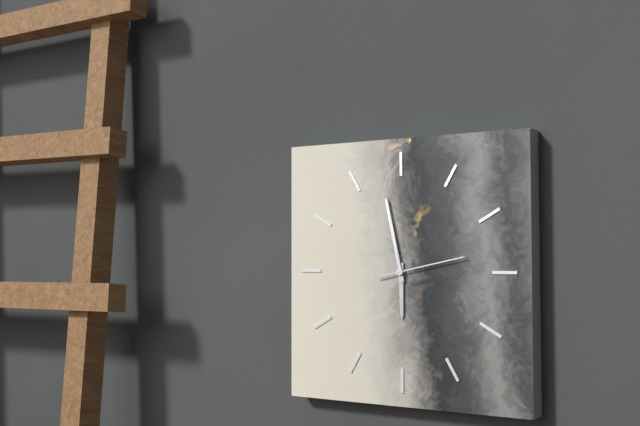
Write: 5,58,13
